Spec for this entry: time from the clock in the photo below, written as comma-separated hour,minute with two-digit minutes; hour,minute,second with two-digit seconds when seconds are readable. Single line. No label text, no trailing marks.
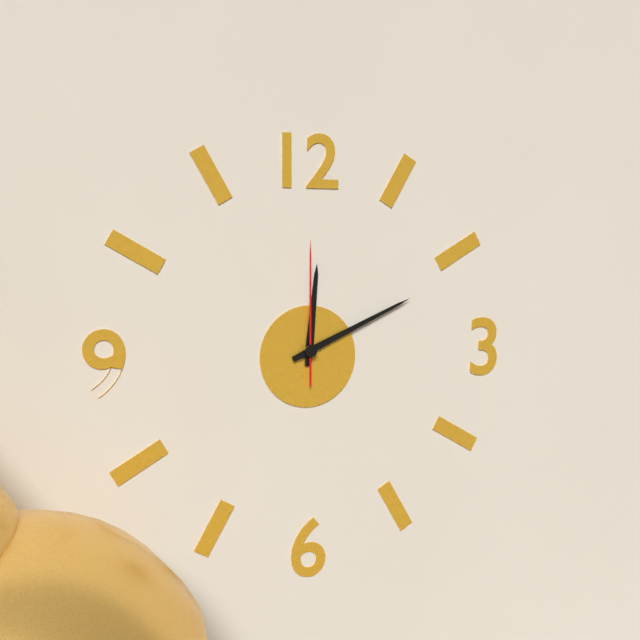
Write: 12,11,00
